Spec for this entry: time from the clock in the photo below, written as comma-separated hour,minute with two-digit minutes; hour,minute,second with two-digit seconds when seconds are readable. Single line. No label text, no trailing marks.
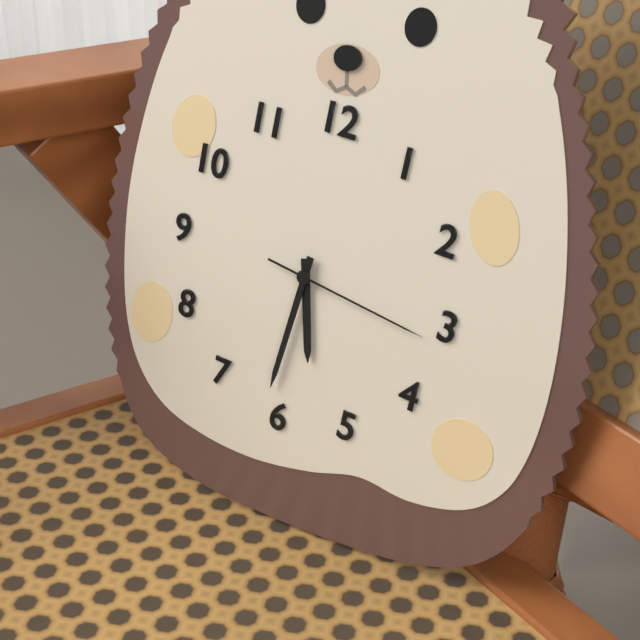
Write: 5,31,16
